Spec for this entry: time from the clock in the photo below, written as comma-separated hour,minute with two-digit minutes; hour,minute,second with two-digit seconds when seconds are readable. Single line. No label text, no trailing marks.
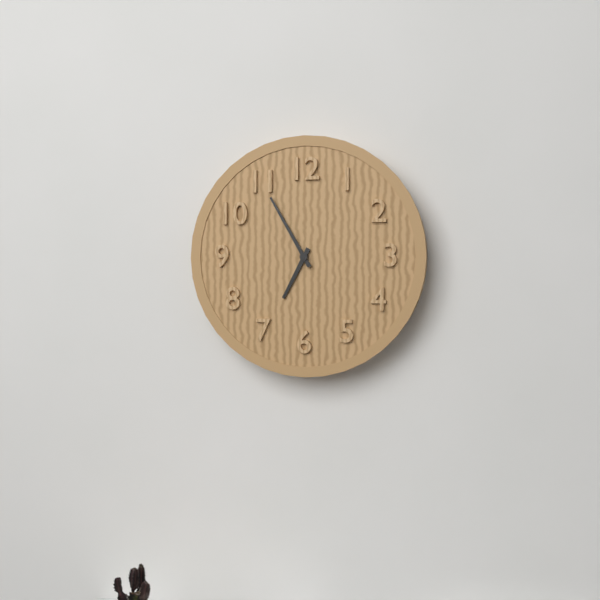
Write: 6,55
